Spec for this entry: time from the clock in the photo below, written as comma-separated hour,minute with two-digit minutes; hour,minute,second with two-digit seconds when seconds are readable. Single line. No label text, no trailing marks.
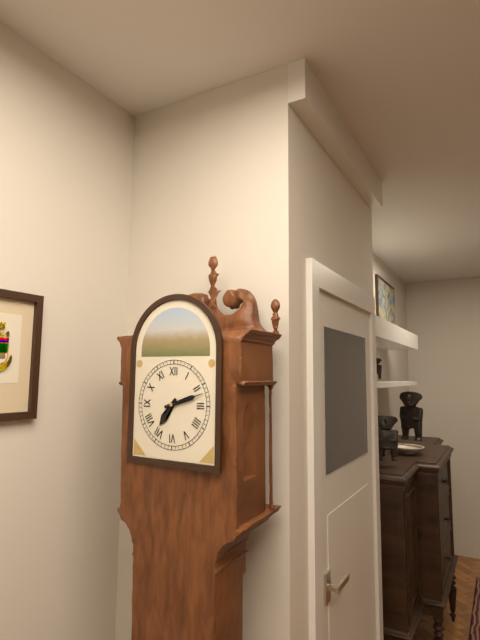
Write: 7,12
